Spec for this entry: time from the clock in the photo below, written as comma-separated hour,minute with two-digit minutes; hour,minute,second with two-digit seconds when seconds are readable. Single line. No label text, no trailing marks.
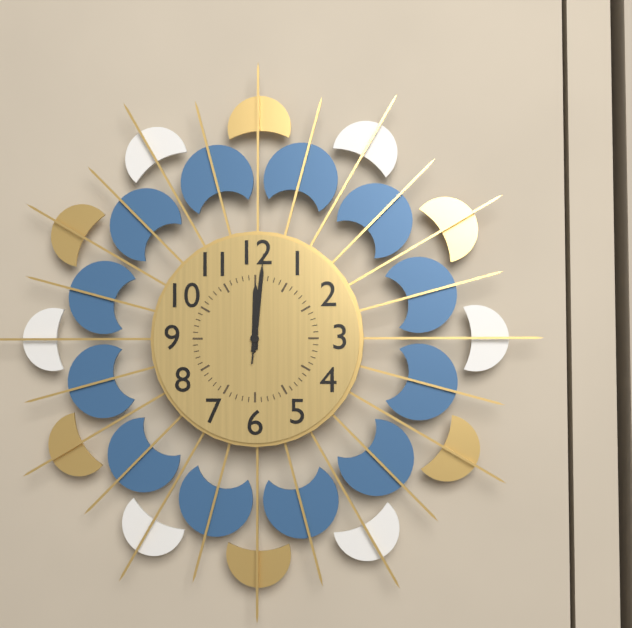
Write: 12,01,01
